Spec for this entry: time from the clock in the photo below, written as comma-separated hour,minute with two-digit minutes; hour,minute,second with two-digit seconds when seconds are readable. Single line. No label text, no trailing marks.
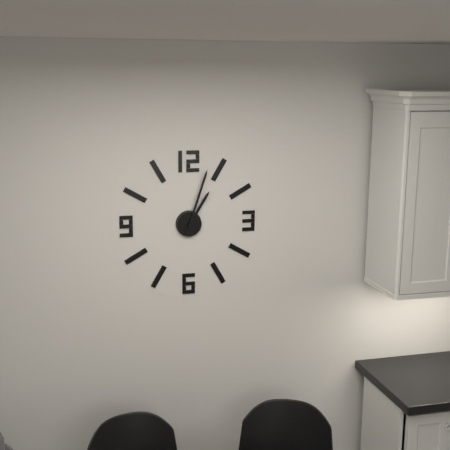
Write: 1,03
